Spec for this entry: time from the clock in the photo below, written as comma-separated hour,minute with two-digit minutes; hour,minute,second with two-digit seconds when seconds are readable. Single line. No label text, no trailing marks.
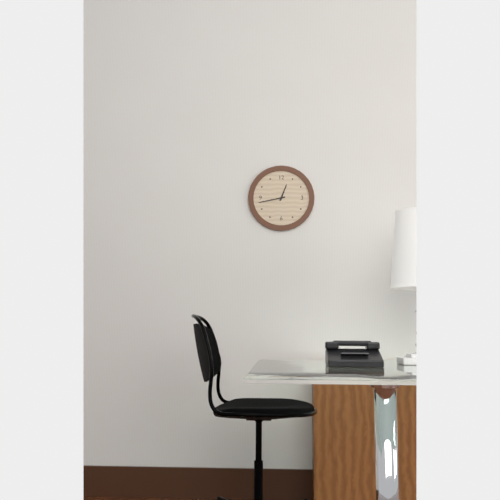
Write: 12,43
